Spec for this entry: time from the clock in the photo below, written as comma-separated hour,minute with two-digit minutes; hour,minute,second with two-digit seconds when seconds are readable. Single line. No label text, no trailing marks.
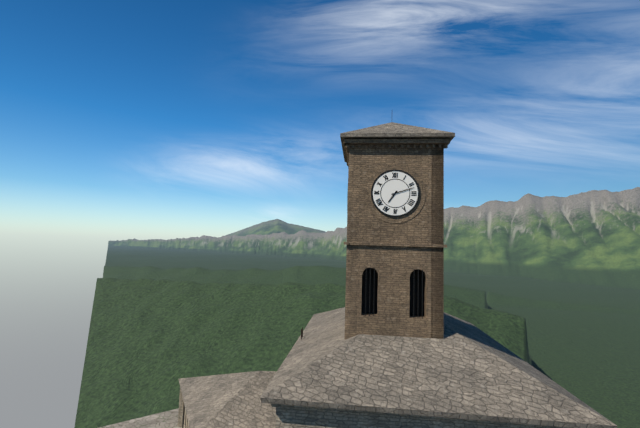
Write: 7,12
